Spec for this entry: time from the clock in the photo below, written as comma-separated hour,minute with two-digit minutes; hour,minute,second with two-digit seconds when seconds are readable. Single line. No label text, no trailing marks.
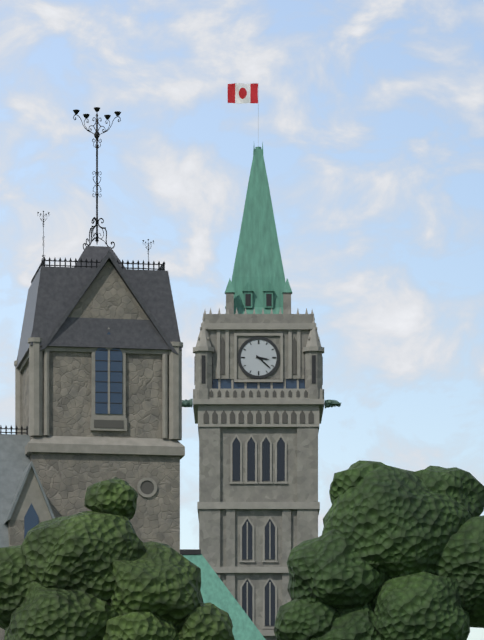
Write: 3,22
